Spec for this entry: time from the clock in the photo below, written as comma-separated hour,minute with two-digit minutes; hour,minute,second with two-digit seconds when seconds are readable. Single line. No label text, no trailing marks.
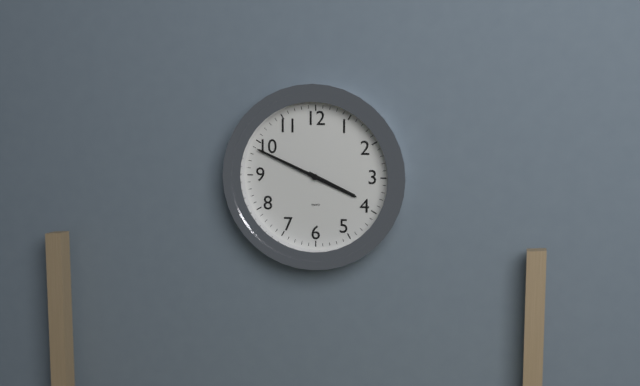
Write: 3,49
